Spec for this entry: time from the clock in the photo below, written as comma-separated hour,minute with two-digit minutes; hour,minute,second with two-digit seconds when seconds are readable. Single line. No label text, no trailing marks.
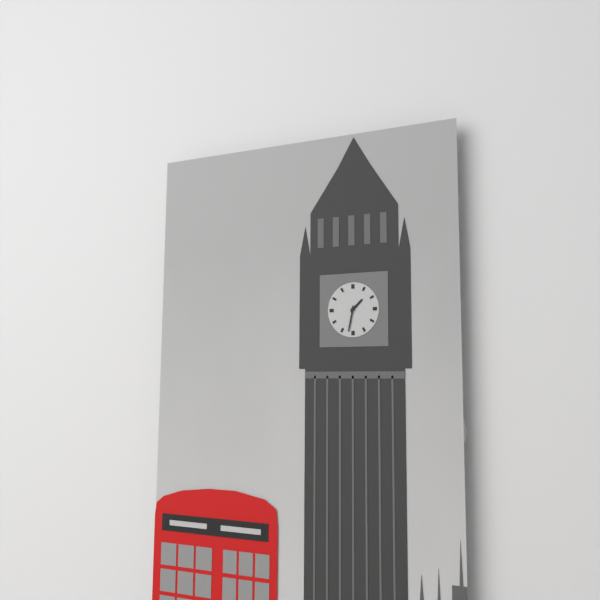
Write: 1,32
